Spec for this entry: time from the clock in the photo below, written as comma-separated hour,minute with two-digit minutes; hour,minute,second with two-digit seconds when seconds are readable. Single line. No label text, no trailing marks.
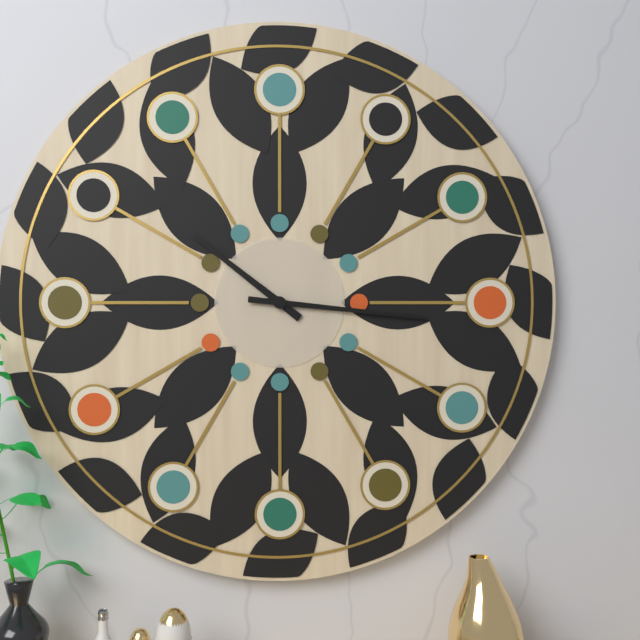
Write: 10,16
